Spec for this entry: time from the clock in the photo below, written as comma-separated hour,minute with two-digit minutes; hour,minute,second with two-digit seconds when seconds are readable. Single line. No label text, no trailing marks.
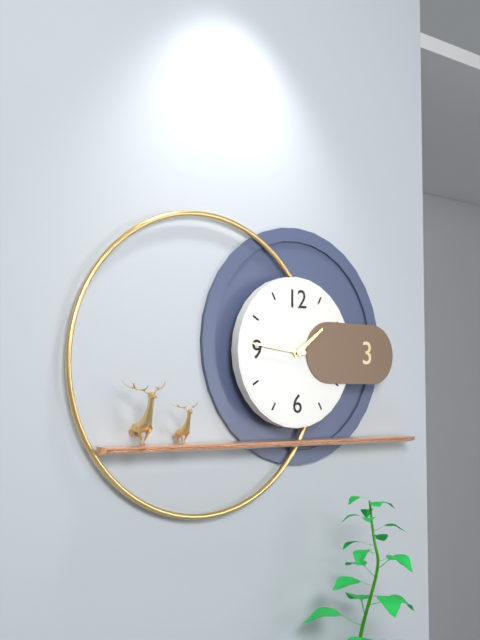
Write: 1,46
